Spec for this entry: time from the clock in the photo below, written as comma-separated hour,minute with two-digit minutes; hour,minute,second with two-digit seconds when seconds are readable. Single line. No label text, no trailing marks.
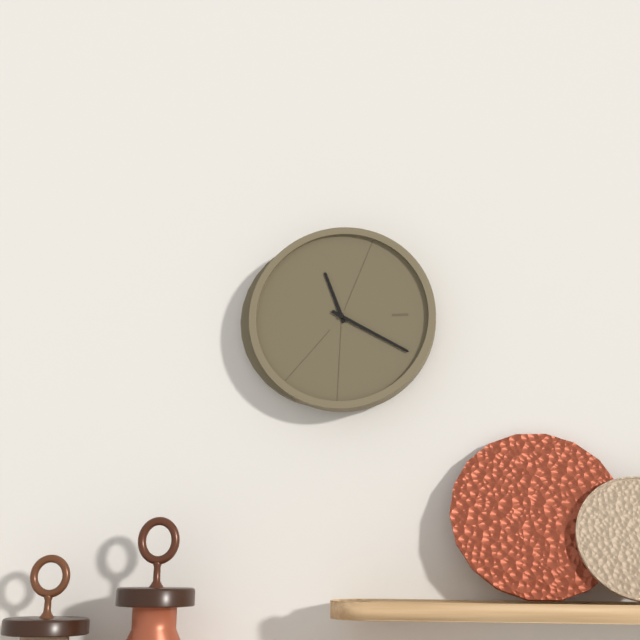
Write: 11,20
